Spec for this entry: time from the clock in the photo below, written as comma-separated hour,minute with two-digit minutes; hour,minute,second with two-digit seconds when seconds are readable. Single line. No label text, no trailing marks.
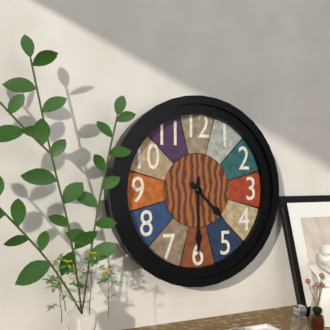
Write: 4,30
